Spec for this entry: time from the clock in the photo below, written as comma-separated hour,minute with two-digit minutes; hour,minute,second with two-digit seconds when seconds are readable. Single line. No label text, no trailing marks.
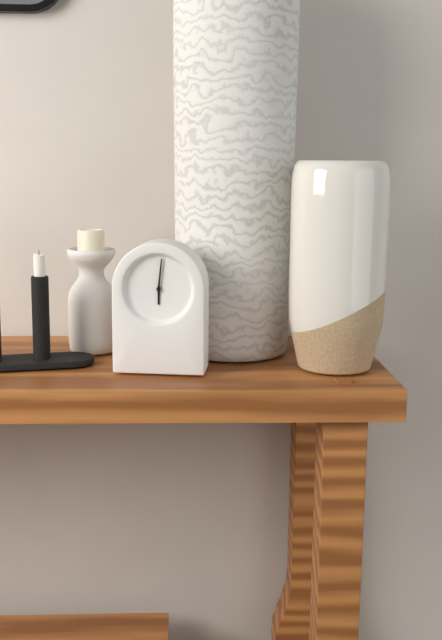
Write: 6,01
